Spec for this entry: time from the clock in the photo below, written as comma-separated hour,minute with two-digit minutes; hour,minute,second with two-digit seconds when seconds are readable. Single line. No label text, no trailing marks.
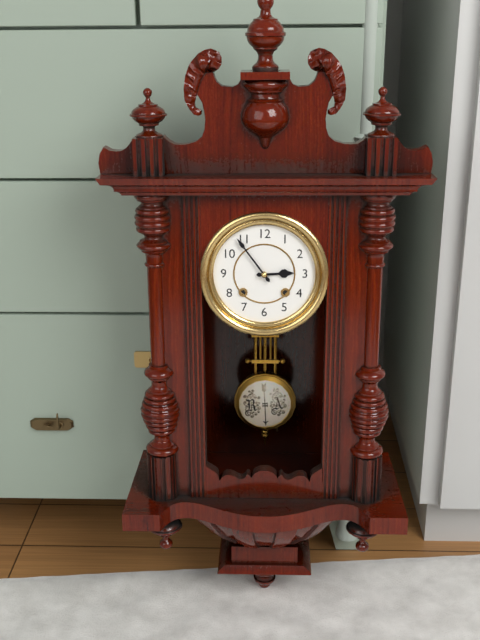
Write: 2,54
